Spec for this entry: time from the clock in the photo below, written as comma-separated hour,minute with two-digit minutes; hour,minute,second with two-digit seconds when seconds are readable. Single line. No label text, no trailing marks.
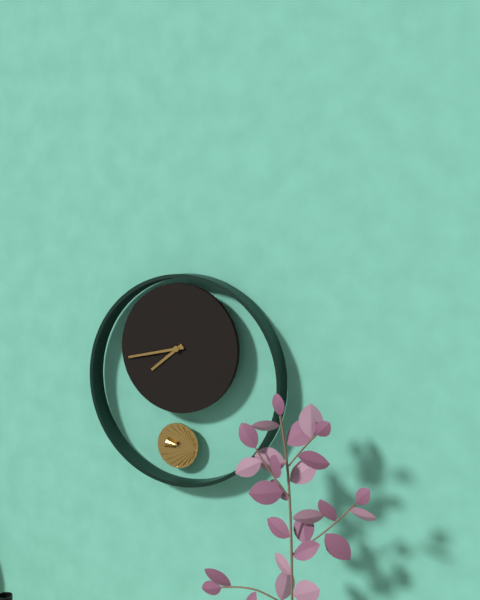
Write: 7,43
